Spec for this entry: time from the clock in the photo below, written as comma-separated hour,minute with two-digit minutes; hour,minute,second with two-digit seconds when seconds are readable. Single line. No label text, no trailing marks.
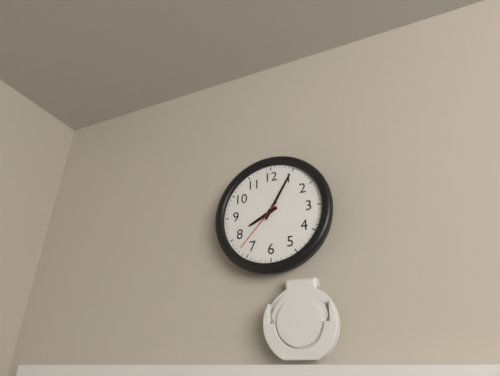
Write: 8,05,37
